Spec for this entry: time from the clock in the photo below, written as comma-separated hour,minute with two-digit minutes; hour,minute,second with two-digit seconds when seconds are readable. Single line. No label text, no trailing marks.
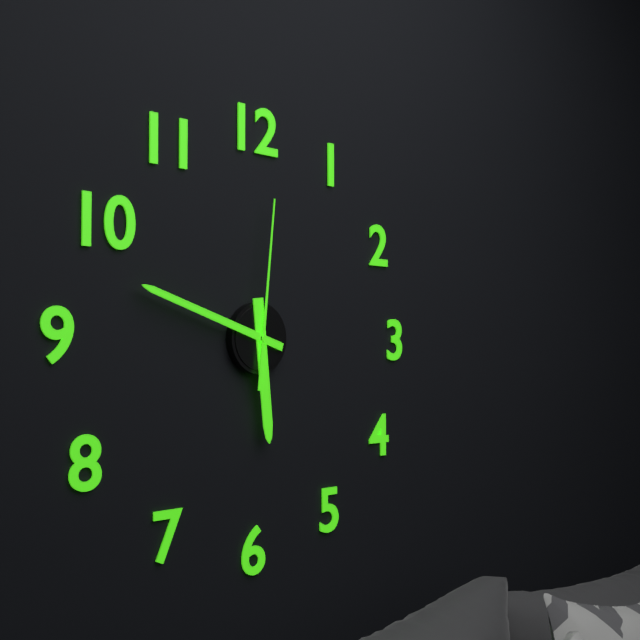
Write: 5,48,01
